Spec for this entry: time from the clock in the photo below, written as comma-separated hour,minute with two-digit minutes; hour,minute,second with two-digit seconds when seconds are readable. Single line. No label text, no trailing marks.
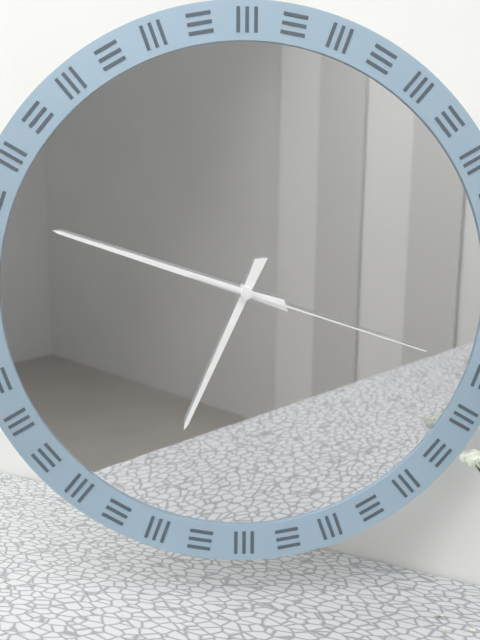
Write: 6,48,18
